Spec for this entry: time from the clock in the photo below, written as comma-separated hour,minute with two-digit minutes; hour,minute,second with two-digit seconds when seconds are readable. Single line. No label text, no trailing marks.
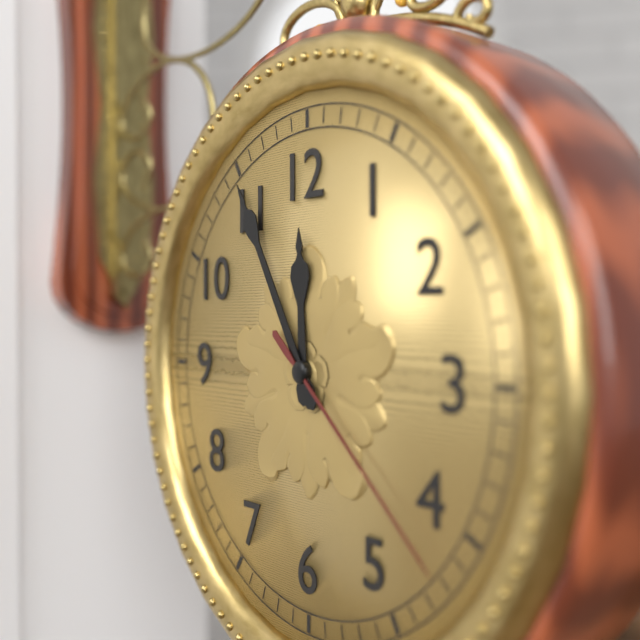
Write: 11,55,22
